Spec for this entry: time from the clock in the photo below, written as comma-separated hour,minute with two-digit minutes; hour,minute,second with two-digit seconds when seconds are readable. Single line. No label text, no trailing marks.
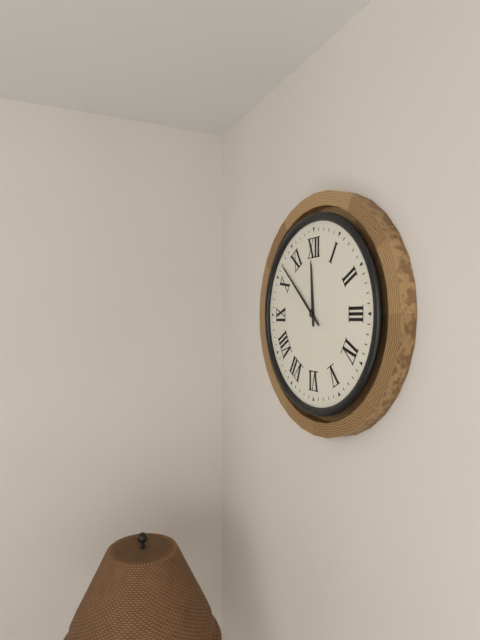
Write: 11,52
